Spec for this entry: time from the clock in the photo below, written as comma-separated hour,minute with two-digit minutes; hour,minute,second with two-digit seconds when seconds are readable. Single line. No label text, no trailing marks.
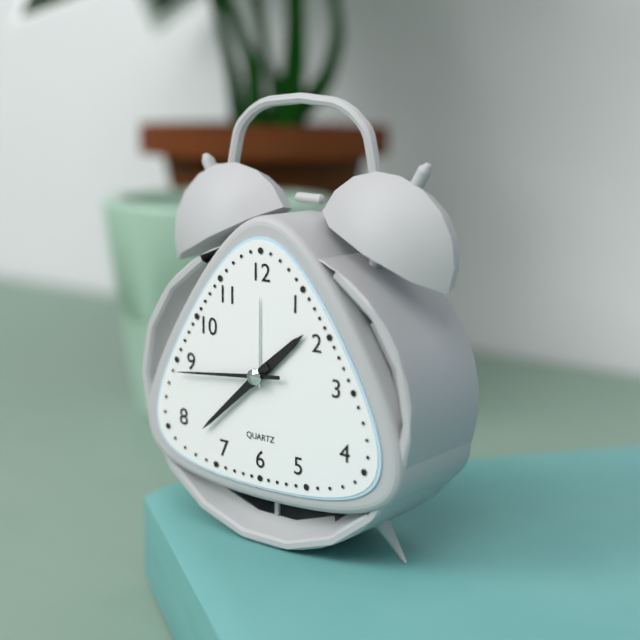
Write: 1,38,44
